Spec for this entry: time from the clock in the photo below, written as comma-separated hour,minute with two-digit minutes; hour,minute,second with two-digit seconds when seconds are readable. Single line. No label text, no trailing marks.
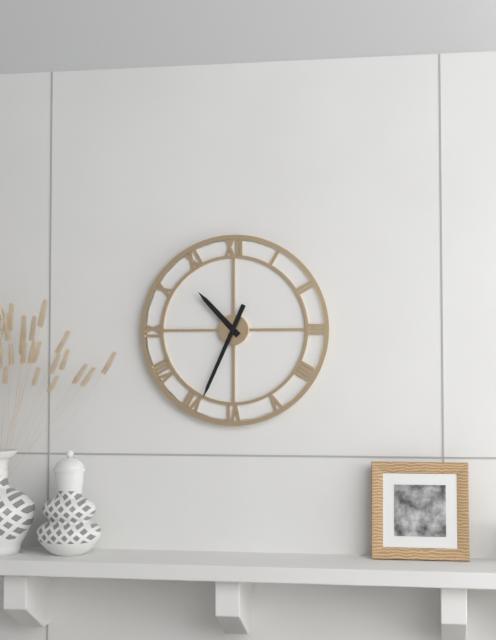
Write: 10,34
